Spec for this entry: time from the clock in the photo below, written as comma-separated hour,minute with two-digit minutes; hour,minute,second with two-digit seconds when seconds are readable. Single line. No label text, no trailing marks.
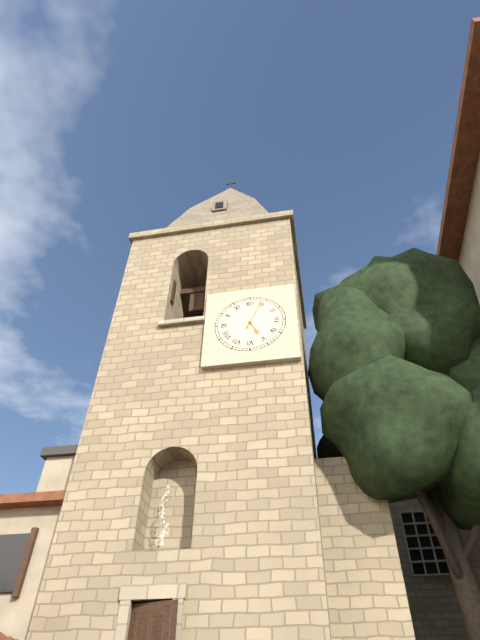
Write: 5,04
